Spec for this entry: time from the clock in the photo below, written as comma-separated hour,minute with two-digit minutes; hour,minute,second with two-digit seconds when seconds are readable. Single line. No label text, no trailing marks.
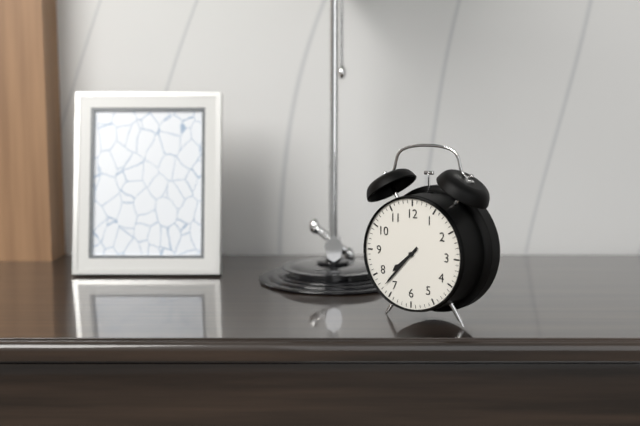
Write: 7,37
